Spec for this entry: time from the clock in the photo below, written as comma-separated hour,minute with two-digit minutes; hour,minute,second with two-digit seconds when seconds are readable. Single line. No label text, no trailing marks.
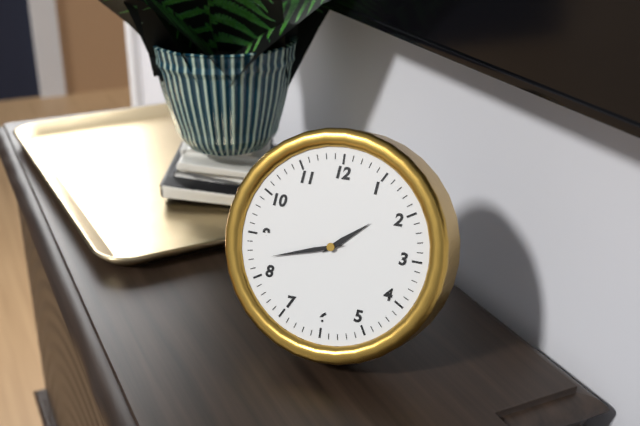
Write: 1,42
